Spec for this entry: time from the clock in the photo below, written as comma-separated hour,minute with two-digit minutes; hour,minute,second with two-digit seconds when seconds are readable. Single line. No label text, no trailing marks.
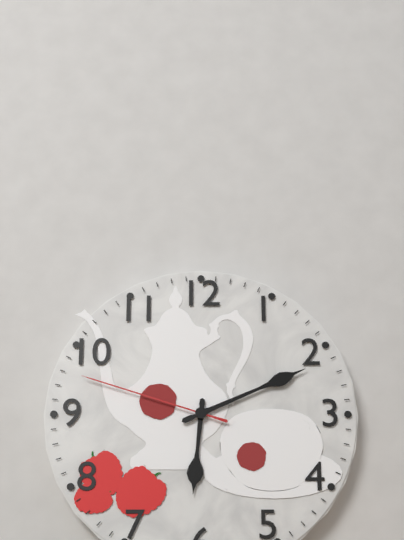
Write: 6,11,48
